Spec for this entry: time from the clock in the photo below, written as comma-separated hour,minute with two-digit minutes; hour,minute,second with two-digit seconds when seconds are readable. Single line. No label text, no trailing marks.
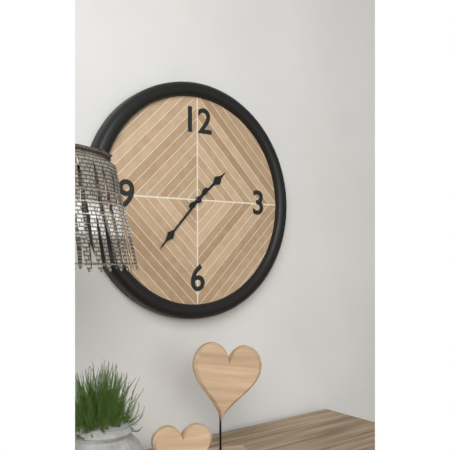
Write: 1,37
